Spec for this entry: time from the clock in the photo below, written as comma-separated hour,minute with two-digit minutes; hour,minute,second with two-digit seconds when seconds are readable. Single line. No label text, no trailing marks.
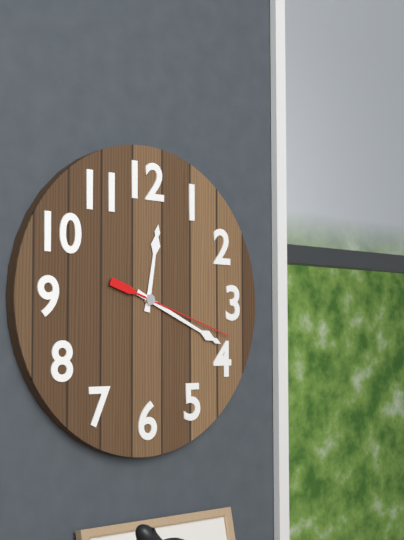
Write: 12,19,18
